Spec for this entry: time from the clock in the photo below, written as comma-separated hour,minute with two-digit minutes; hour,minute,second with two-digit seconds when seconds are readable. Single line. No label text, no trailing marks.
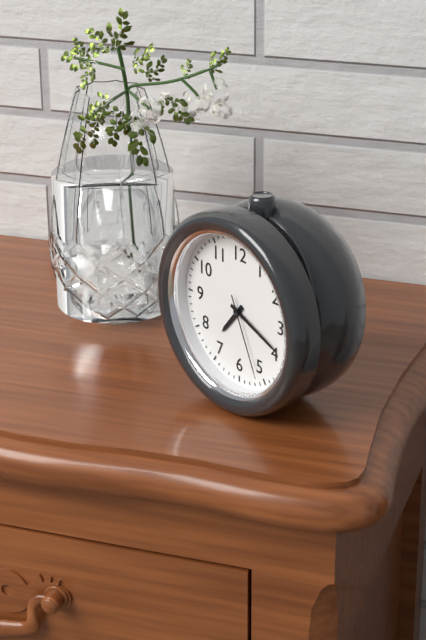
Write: 7,19,26
